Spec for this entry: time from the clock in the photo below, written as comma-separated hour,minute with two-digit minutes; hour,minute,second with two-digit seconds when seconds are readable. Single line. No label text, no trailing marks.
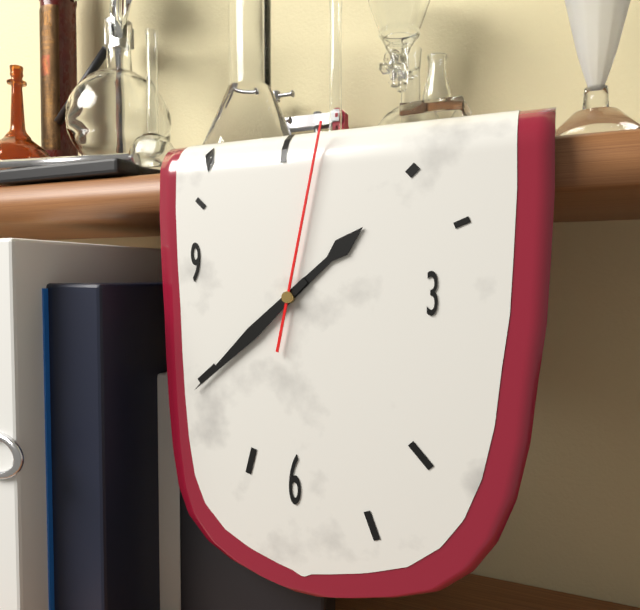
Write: 1,38,02
